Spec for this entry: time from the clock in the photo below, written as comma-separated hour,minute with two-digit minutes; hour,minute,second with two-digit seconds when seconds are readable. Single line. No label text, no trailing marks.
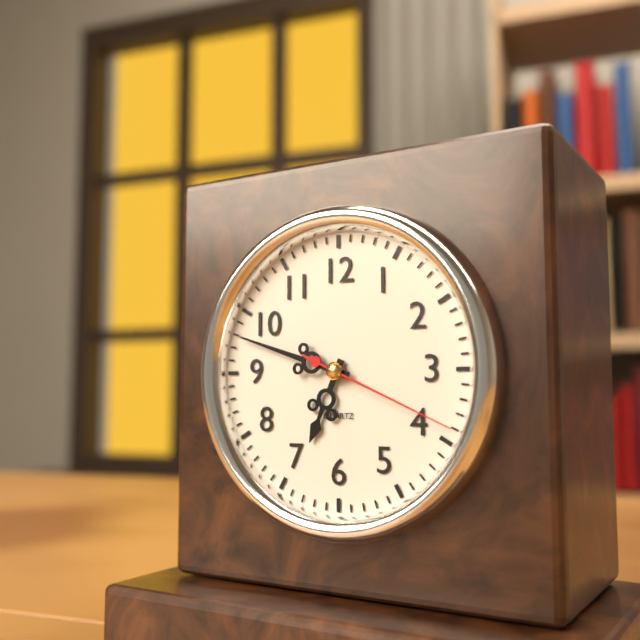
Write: 6,48,19
